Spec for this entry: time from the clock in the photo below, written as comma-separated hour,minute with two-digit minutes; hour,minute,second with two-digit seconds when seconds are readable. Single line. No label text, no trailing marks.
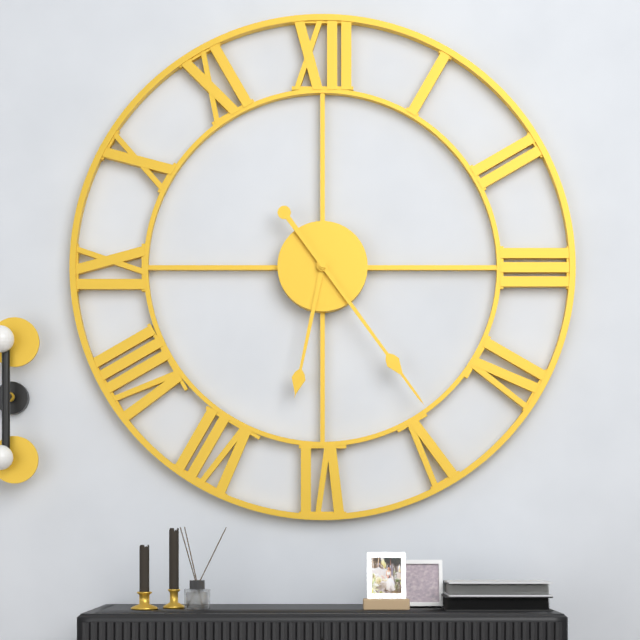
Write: 6,24
